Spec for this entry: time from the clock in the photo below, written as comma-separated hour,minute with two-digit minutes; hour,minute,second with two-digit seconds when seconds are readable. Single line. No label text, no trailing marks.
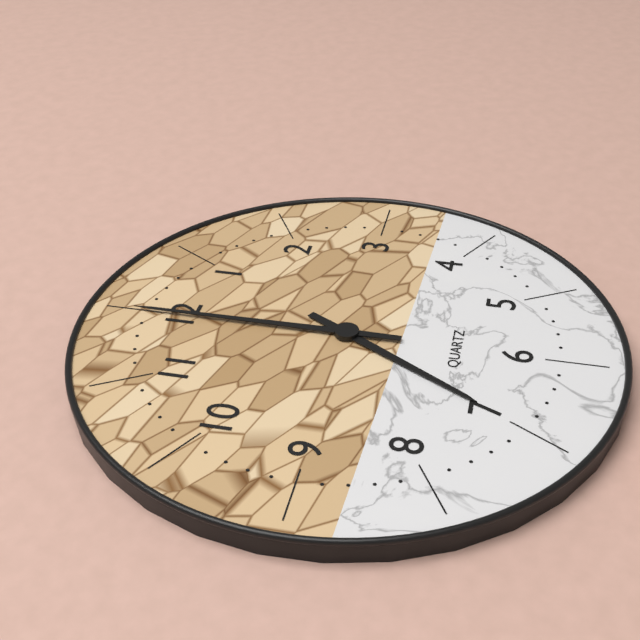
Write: 7,00
